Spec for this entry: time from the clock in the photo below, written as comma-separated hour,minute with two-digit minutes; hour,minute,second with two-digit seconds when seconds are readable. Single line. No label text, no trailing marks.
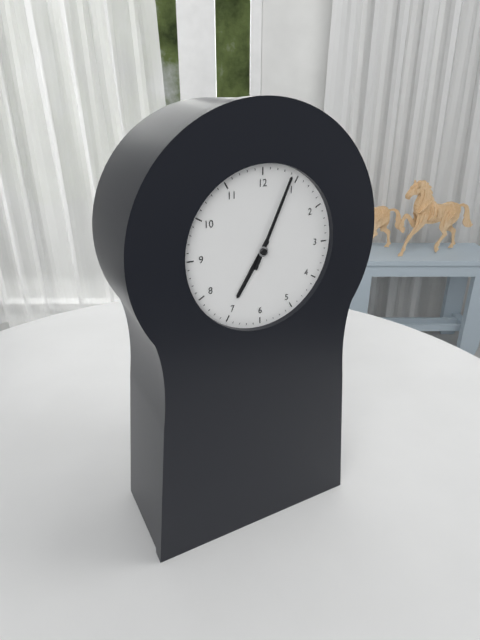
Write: 7,04
